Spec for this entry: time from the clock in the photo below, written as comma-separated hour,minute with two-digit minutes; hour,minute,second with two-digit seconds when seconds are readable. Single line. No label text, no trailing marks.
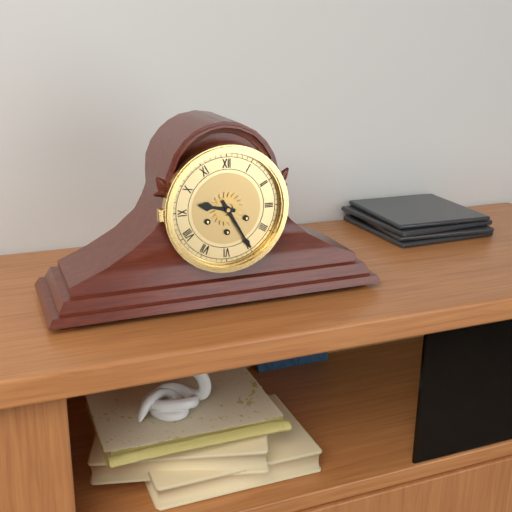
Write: 9,25
